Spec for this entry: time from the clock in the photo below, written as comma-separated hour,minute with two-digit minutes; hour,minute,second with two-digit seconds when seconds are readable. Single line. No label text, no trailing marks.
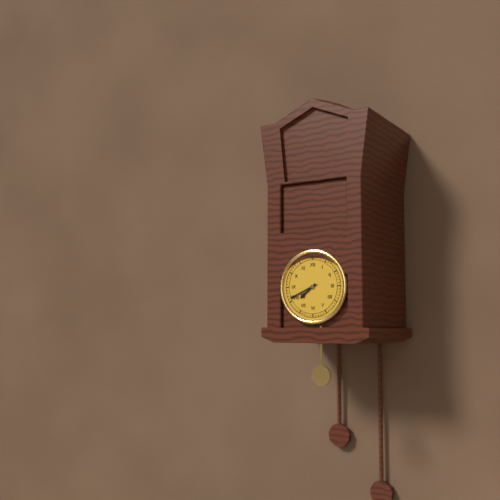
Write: 7,41
